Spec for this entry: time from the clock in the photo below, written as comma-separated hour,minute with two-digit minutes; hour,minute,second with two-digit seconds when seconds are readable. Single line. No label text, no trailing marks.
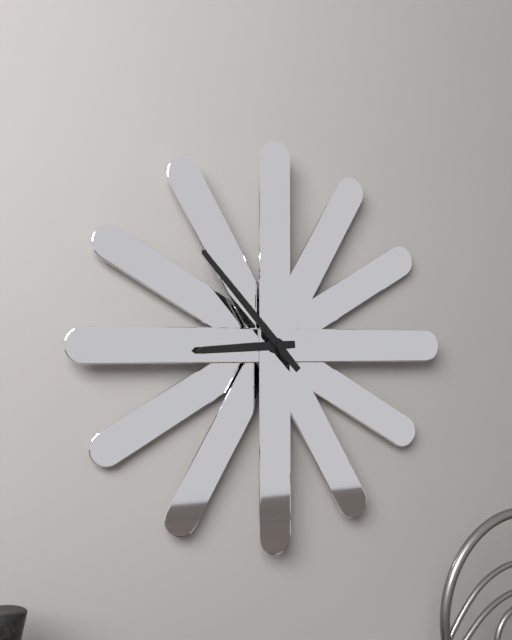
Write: 8,53
